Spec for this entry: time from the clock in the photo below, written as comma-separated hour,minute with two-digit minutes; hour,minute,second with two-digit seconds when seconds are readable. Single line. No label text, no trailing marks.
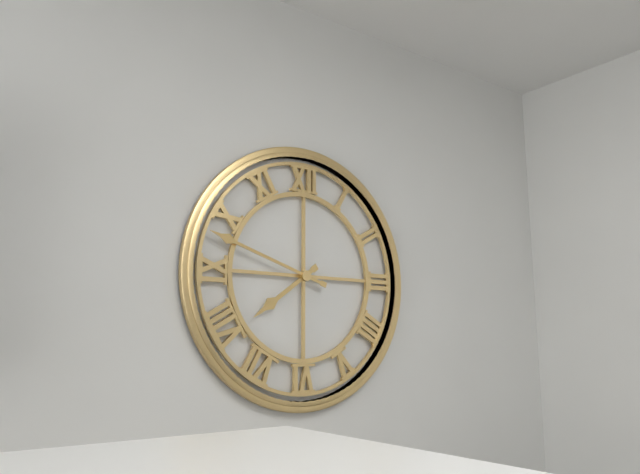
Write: 7,48
